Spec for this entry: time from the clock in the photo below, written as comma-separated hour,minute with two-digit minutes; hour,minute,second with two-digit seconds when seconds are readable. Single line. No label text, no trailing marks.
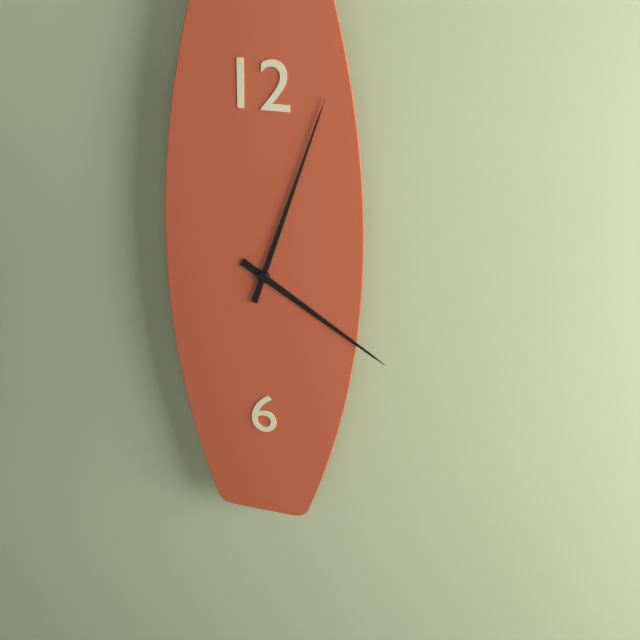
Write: 4,03
